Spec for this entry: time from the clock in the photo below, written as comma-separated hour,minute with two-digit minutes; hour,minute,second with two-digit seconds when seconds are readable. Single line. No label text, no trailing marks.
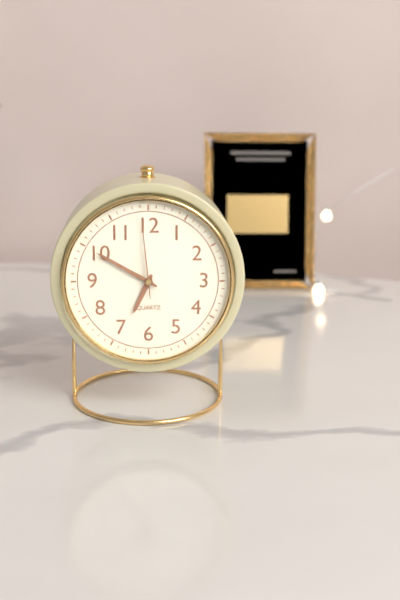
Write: 6,50,59
